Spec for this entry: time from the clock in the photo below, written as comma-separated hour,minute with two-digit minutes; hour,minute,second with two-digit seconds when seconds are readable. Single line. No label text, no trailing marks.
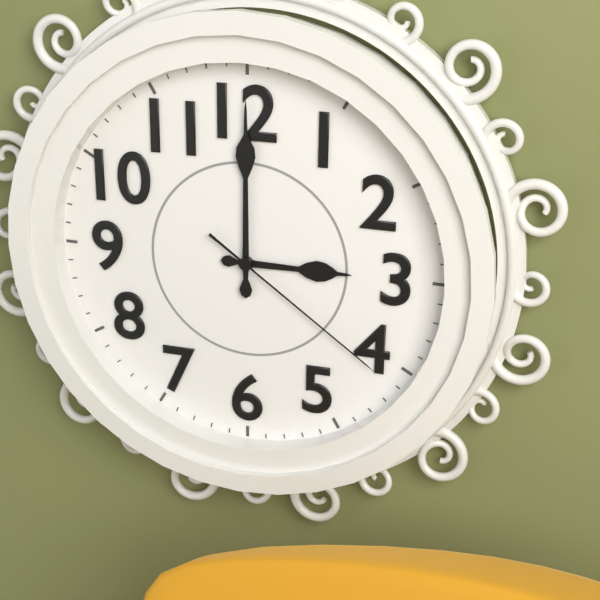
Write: 3,00,21
